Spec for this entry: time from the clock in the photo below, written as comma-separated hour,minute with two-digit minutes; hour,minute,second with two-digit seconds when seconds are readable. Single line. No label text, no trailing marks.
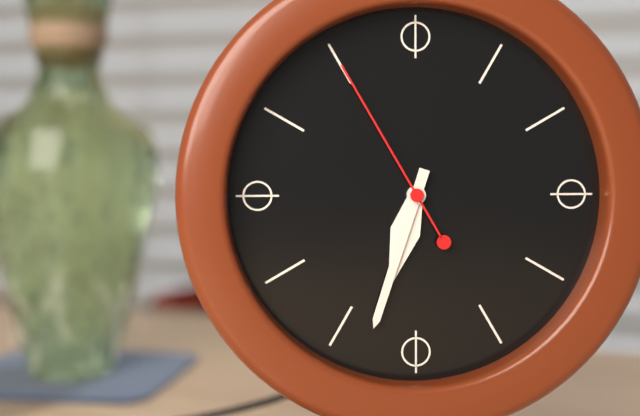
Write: 6,33,55
